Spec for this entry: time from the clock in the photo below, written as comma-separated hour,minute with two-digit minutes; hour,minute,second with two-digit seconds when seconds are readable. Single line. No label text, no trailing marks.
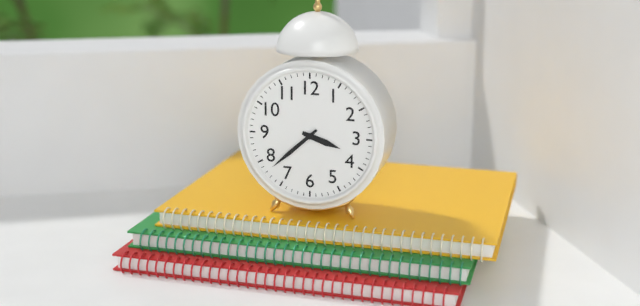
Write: 3,38
